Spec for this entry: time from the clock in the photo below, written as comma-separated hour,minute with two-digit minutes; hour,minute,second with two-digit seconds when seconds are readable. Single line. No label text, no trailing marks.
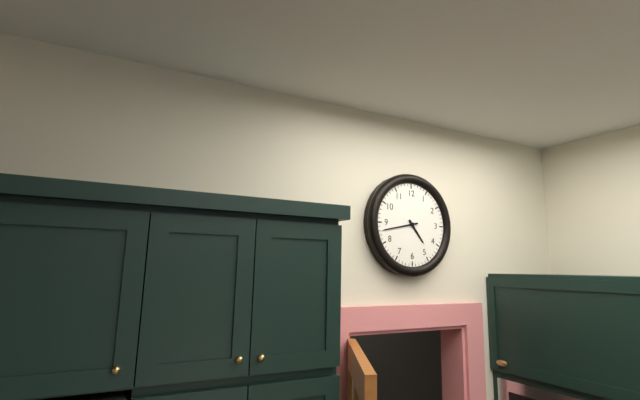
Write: 4,43
